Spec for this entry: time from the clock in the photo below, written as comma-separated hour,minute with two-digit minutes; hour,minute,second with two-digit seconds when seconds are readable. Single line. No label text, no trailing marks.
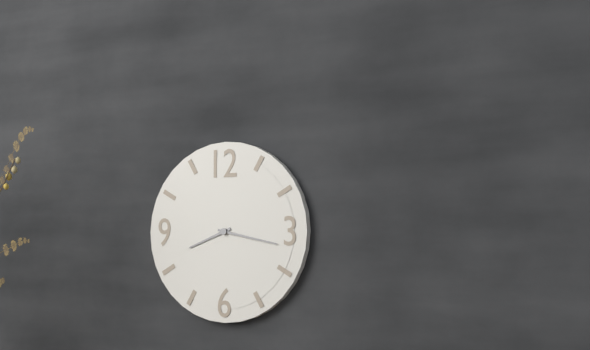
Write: 8,17
